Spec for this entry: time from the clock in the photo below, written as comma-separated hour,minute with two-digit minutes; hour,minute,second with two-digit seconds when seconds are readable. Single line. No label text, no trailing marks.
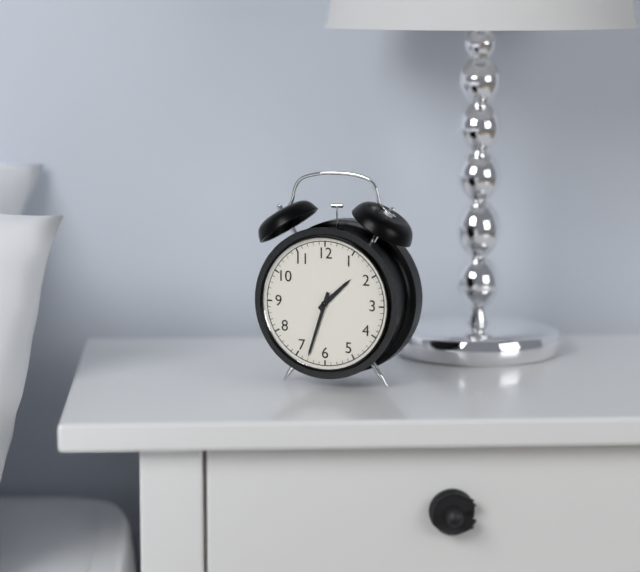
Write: 1,33
